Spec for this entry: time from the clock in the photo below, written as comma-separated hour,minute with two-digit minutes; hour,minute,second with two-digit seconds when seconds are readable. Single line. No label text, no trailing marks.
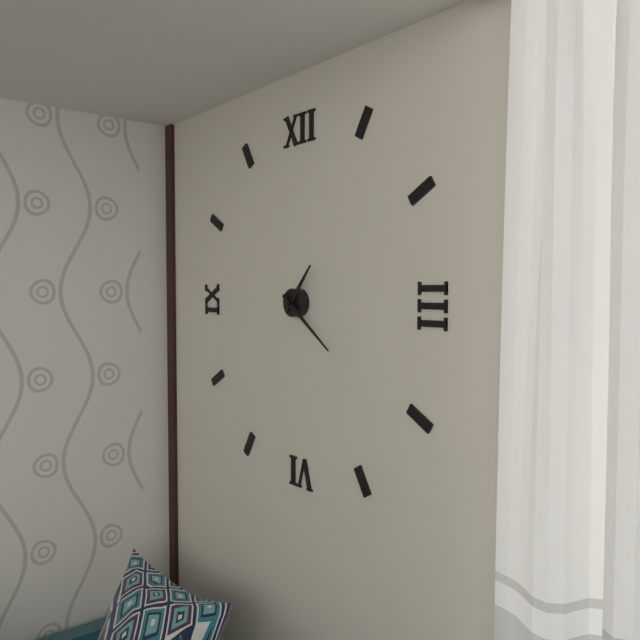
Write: 1,21
